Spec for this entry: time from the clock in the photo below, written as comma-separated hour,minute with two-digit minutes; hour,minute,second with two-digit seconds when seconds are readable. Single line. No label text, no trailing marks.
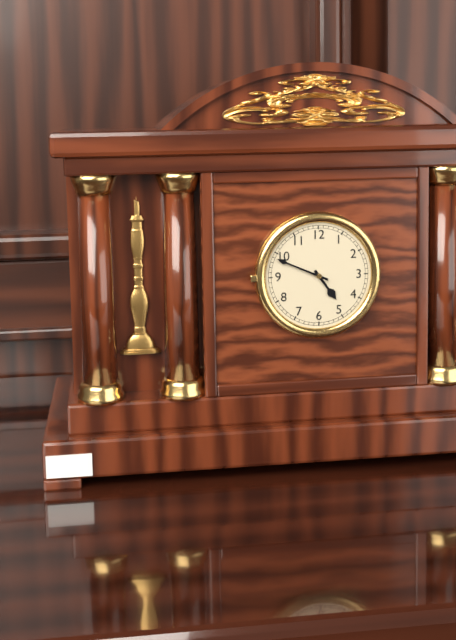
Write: 4,49
